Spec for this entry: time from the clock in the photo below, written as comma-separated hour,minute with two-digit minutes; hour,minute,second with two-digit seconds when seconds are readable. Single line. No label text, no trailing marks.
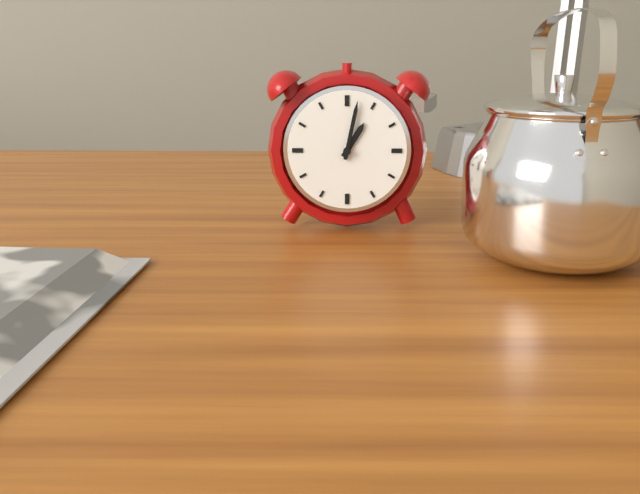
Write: 1,02
